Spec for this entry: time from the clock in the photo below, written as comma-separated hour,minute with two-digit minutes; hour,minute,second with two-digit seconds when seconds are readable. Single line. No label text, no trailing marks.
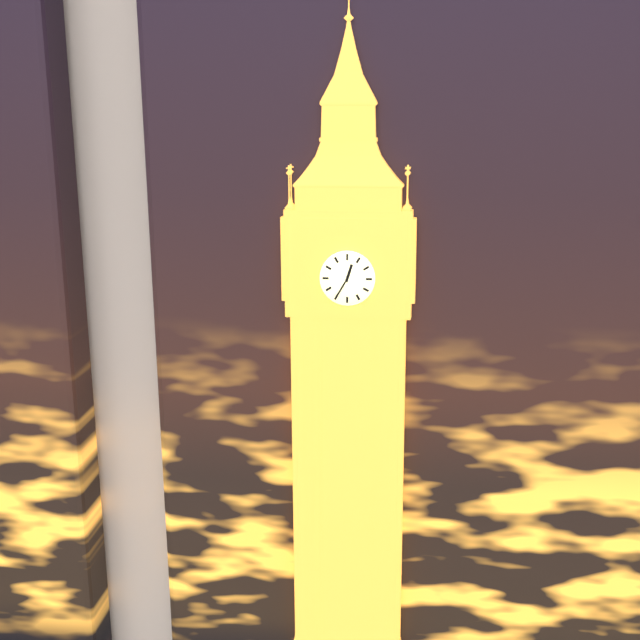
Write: 12,35
